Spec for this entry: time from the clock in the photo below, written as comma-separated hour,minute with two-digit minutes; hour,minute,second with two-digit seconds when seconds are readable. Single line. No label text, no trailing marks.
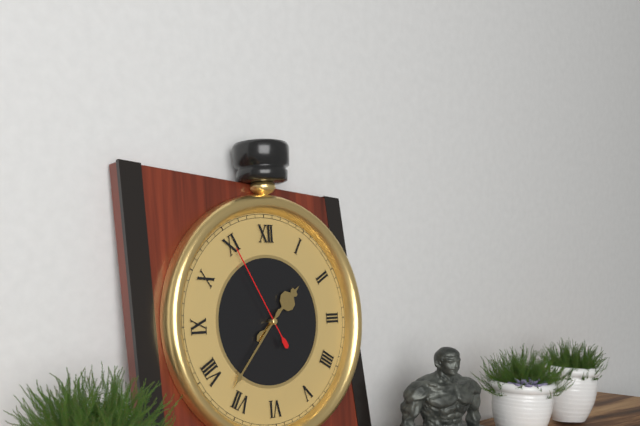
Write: 1,37,55
